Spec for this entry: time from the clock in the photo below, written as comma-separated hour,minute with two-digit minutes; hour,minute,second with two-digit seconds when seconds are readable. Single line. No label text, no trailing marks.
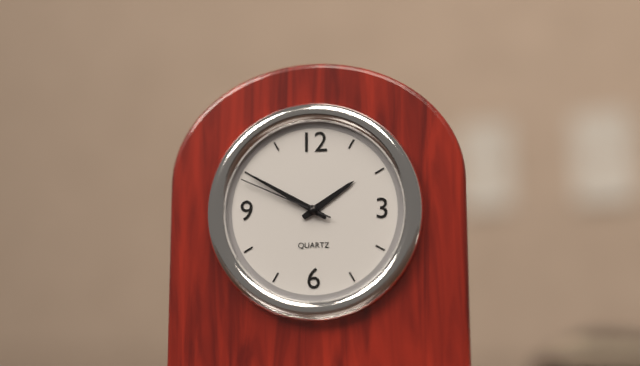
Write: 1,50,49
